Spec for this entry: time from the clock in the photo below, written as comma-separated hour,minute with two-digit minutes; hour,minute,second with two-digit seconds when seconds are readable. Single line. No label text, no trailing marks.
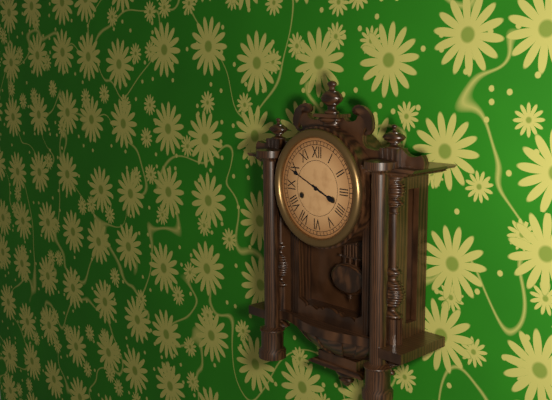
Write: 3,49
